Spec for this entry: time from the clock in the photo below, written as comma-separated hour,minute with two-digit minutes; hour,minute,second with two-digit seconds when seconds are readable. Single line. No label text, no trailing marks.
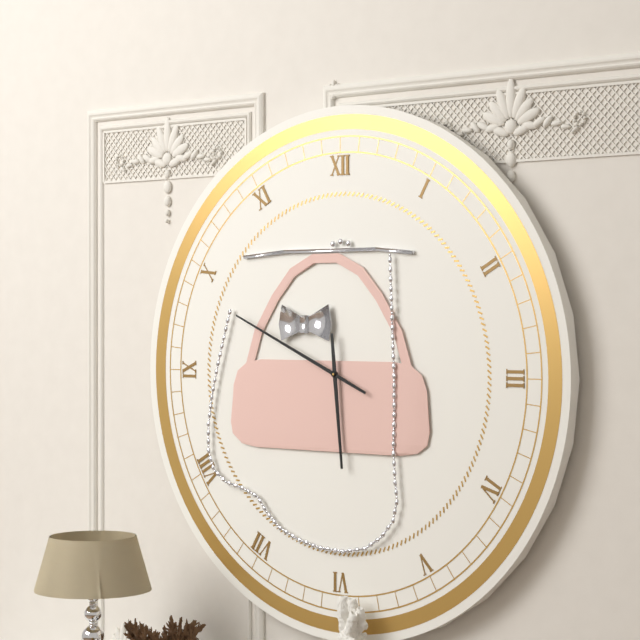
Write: 5,49
